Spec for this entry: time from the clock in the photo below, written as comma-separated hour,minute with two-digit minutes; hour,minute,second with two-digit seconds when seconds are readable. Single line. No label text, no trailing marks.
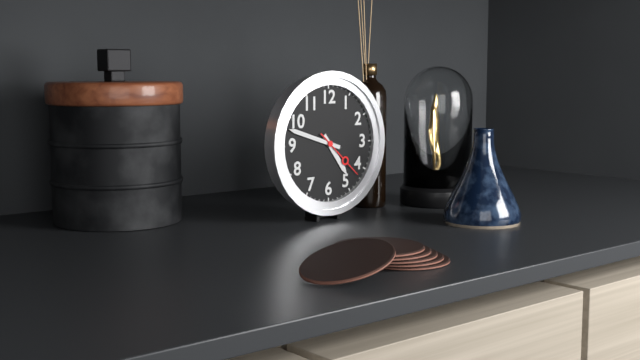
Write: 4,48,22
